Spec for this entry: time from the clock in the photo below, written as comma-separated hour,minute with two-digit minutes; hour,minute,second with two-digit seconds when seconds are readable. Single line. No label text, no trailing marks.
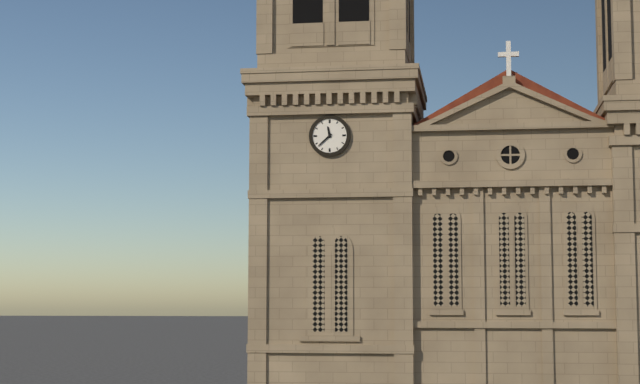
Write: 11,38
